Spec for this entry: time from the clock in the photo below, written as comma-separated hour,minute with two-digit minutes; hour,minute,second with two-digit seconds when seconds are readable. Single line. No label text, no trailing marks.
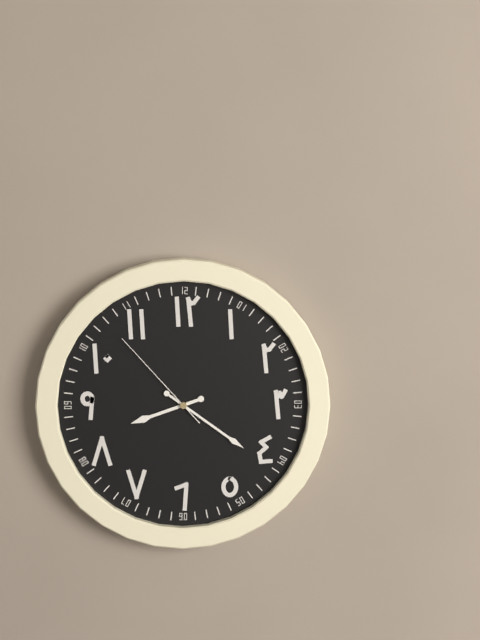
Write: 8,21,53
